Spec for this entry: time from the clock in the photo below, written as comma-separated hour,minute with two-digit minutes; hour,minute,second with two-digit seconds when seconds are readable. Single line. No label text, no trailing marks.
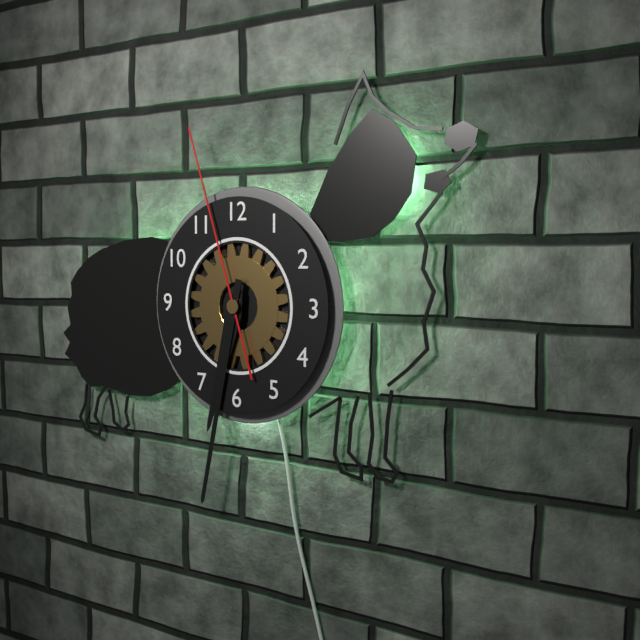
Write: 6,32,57
